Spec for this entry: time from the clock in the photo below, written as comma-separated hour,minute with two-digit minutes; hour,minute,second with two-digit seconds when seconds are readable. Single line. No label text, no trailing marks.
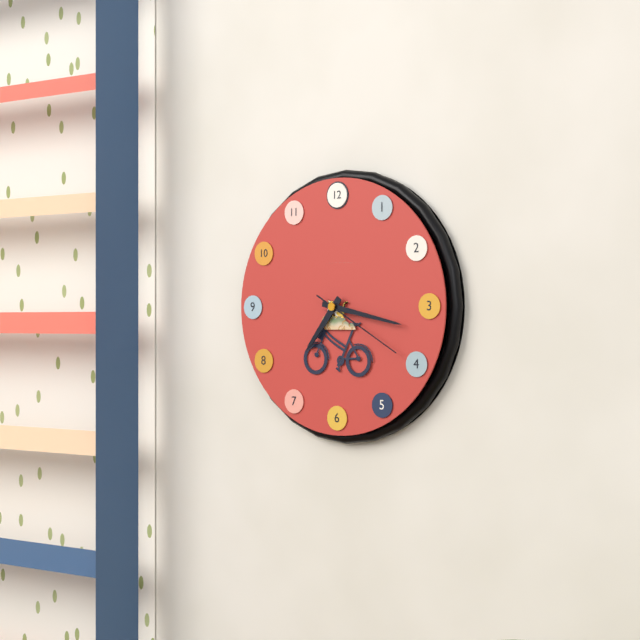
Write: 7,17,20
